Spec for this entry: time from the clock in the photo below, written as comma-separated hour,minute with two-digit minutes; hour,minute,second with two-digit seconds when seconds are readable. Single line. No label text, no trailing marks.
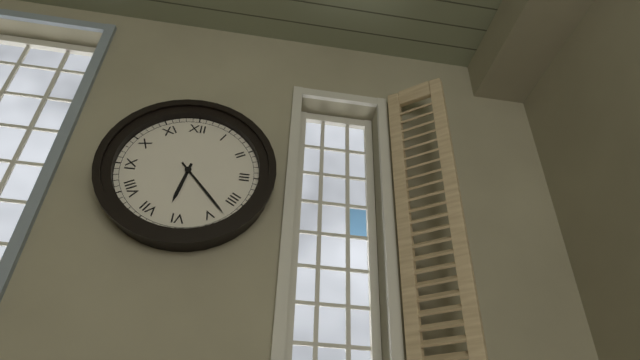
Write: 6,23
